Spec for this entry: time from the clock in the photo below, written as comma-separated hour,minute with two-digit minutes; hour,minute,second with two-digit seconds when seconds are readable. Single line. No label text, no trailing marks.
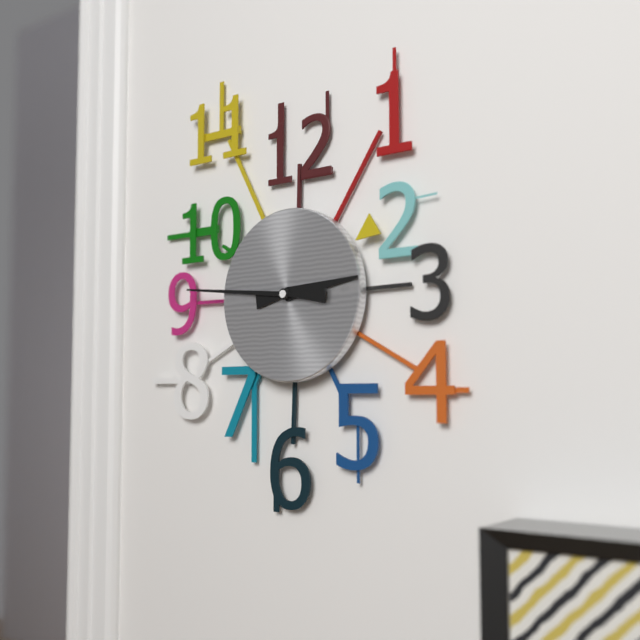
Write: 2,46
